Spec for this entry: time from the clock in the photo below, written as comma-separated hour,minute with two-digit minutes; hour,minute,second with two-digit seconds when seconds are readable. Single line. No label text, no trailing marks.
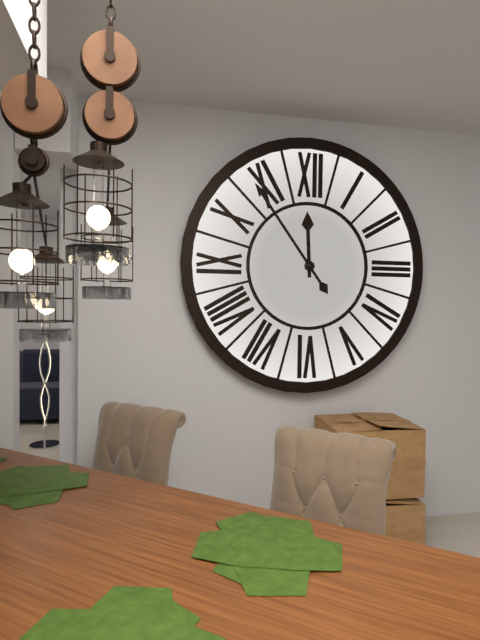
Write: 11,54
